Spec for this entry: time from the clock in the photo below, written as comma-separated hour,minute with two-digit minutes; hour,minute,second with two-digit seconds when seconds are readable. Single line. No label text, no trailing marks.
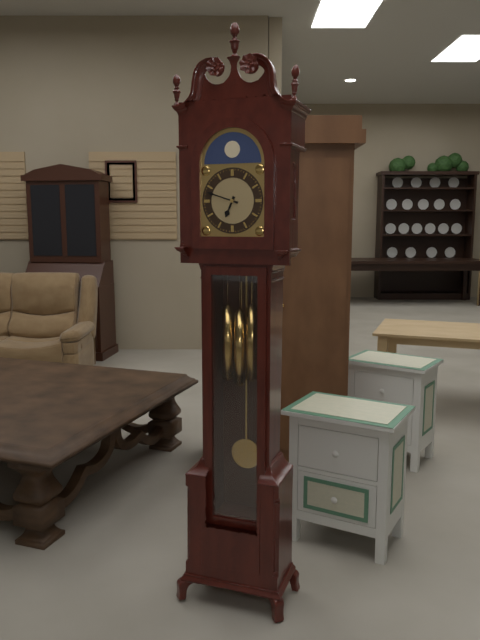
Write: 6,48
